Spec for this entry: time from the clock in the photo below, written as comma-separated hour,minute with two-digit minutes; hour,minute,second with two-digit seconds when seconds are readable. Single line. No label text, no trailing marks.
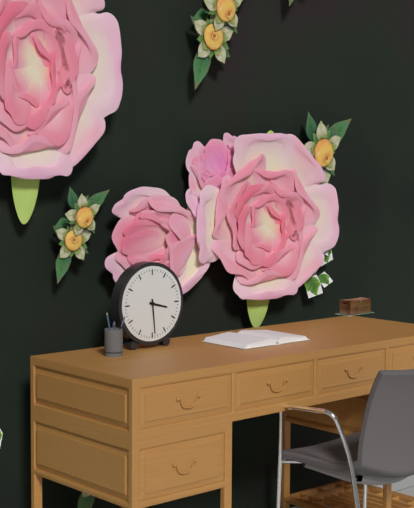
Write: 3,29
